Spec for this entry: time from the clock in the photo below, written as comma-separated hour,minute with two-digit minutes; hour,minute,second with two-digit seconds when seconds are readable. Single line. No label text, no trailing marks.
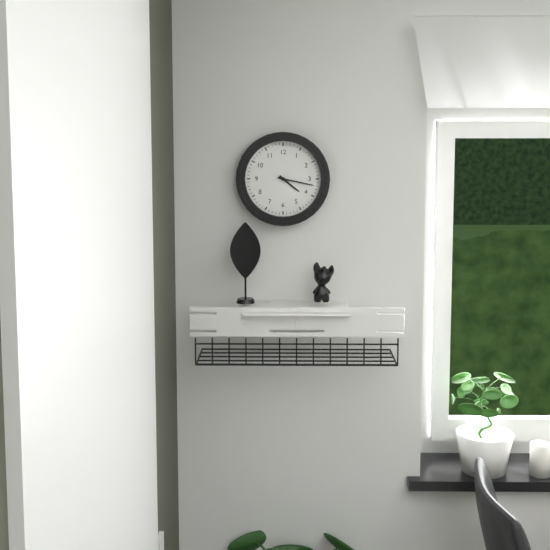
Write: 4,17
